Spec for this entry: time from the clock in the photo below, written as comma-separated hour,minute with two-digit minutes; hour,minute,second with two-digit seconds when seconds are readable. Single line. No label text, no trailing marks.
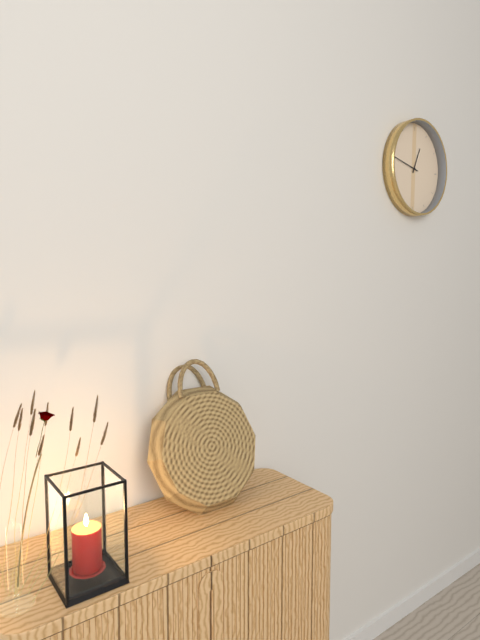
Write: 12,47
